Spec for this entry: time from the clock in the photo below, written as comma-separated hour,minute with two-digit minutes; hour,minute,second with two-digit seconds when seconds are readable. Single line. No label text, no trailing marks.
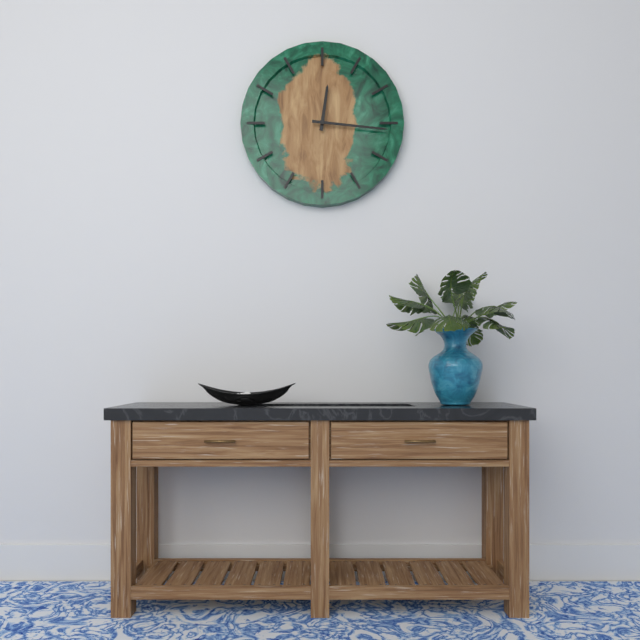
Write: 12,16
